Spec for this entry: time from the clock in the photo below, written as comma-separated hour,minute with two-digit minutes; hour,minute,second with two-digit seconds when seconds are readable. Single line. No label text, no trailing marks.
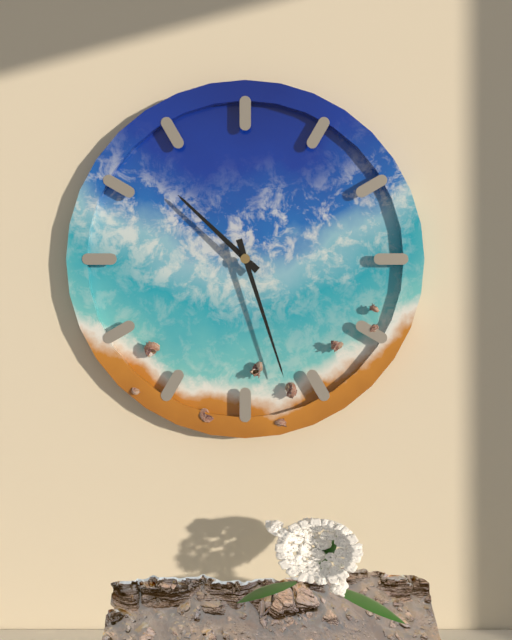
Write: 10,27
